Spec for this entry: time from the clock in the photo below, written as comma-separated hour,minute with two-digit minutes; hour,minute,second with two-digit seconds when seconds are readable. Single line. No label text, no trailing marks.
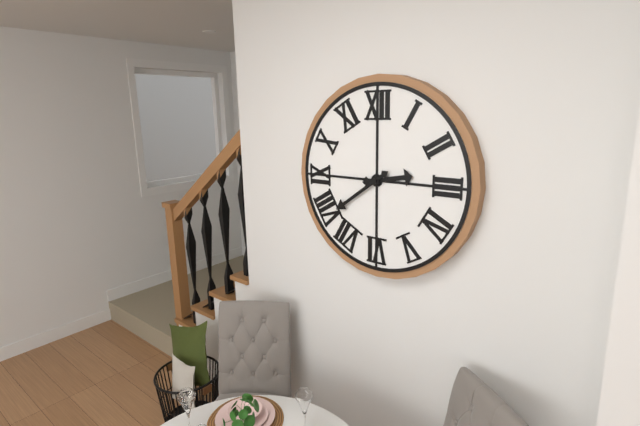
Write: 2,39
